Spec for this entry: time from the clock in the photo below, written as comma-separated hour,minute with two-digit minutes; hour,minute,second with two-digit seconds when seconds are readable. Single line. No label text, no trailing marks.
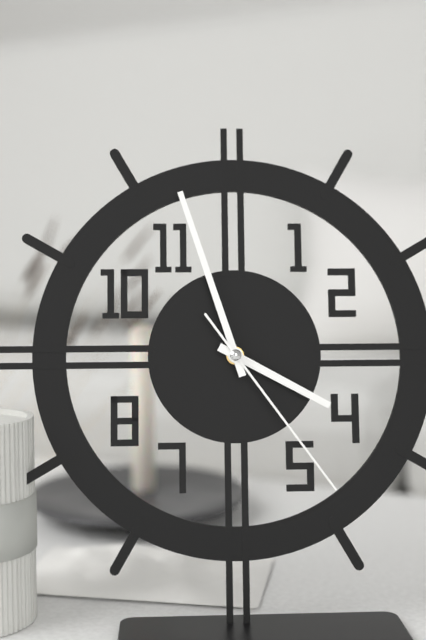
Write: 3,57,24
